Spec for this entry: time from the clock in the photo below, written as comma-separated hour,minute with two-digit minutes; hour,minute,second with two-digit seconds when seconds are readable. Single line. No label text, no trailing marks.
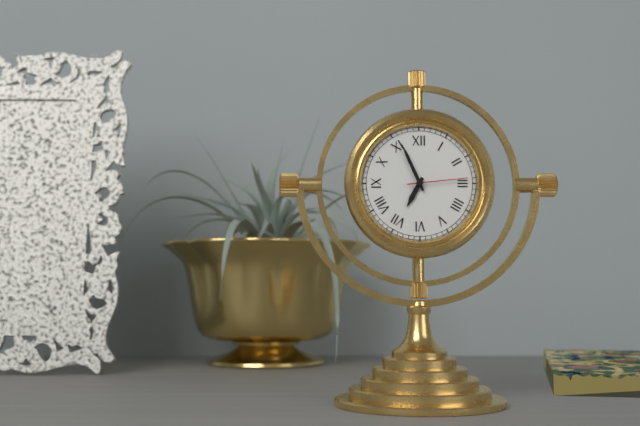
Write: 6,56,14
